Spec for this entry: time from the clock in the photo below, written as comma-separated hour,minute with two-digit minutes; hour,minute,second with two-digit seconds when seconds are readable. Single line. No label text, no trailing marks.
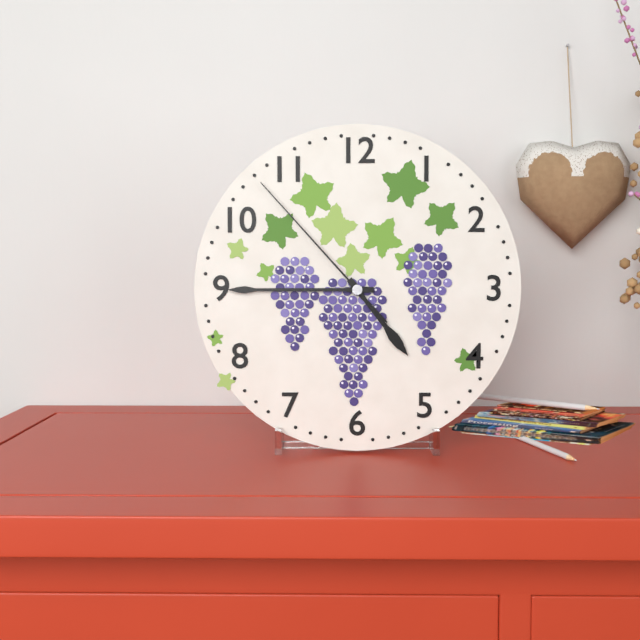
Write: 4,45,53
